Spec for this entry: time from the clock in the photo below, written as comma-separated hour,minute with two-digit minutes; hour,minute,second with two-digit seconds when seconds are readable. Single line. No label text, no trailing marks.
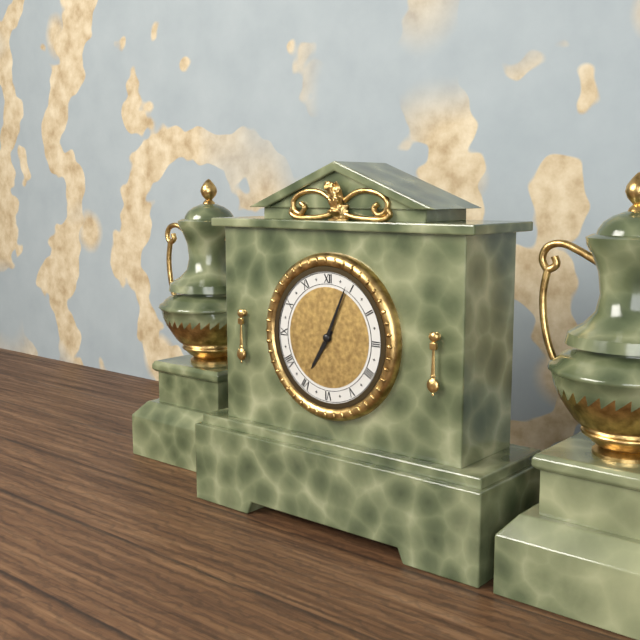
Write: 7,04
